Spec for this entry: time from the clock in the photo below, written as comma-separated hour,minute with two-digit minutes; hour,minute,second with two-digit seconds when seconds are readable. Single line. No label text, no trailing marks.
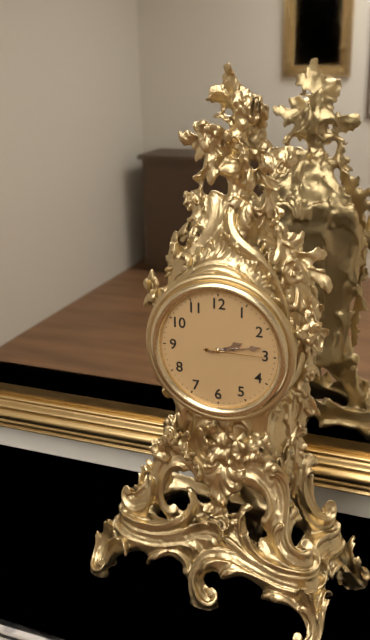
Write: 2,13,15
